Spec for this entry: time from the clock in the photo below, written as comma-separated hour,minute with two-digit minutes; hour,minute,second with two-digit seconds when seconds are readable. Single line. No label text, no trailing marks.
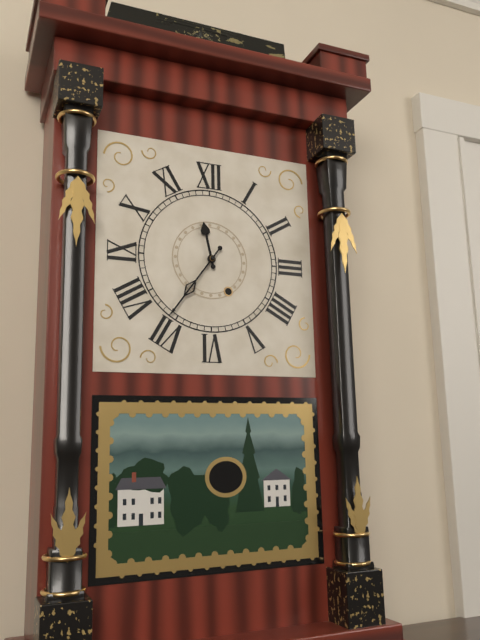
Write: 11,36
